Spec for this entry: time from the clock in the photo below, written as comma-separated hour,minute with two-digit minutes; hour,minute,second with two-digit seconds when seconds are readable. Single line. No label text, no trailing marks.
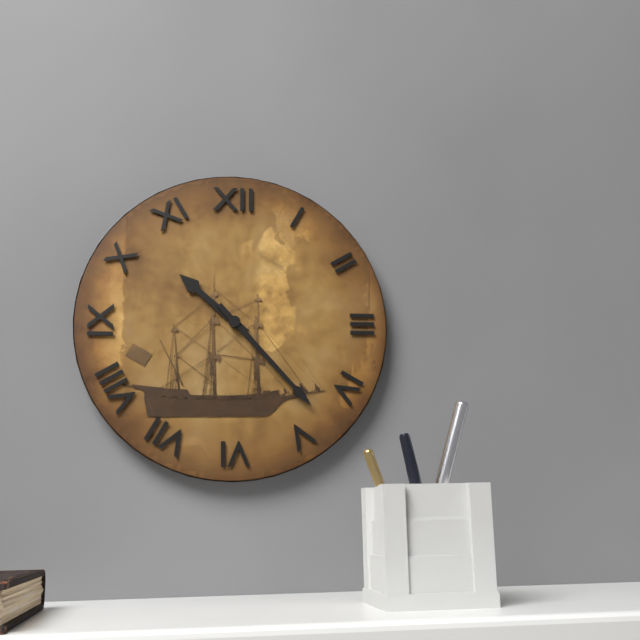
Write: 10,23
